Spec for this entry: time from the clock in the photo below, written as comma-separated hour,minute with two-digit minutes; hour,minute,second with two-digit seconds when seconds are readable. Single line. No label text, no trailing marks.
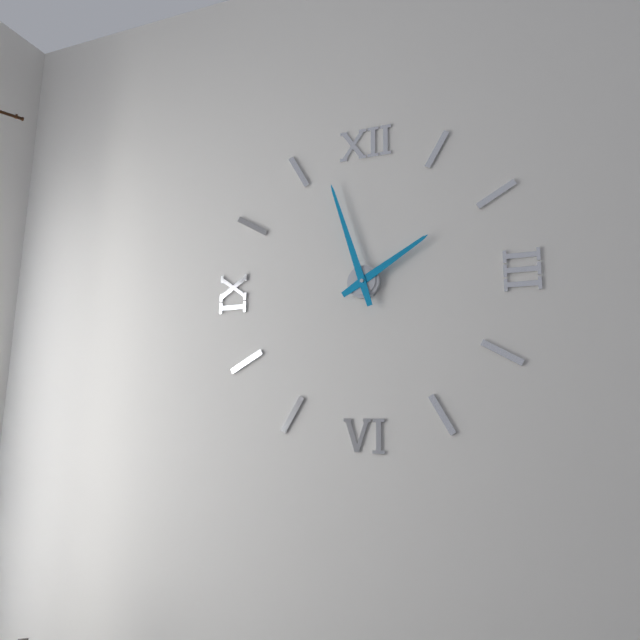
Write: 1,57
